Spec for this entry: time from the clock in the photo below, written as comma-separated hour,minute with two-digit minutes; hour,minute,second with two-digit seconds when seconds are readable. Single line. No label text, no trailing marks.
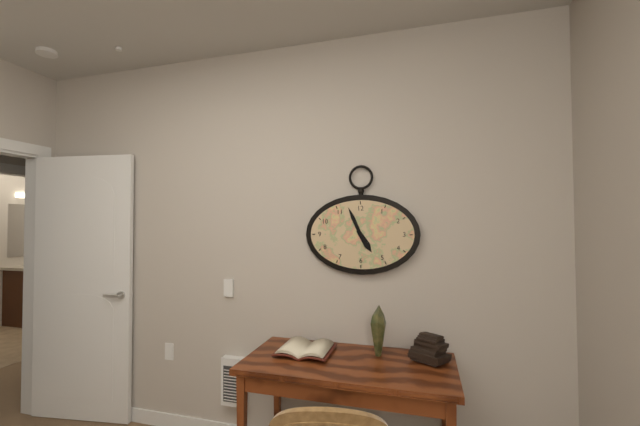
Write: 4,56
